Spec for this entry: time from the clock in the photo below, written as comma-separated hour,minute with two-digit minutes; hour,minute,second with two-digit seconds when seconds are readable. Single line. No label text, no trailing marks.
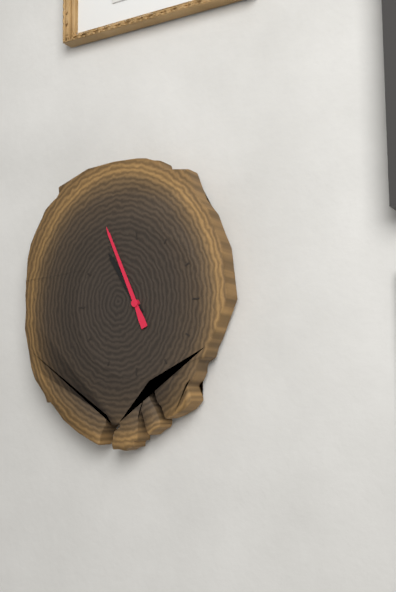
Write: 10,56
